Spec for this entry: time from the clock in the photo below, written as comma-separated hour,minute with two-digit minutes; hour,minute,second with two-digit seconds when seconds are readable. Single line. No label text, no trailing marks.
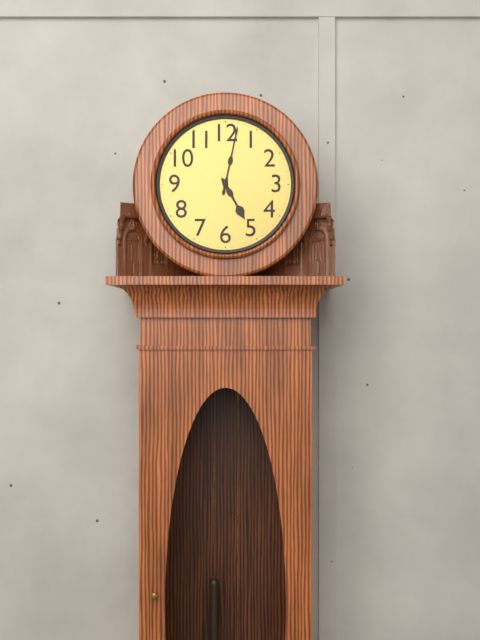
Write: 5,02
